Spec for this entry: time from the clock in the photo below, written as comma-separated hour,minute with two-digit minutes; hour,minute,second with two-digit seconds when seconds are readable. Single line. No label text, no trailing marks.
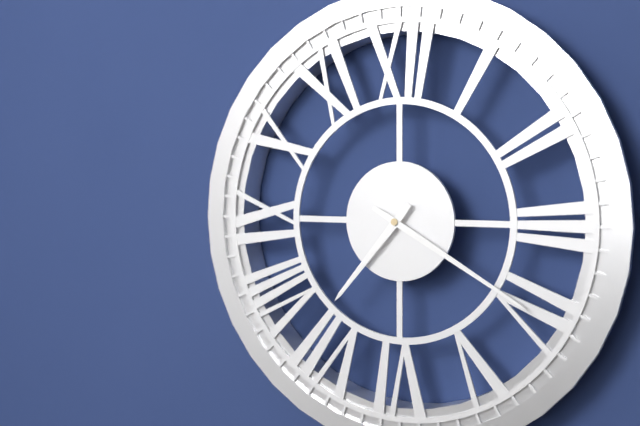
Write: 7,20
